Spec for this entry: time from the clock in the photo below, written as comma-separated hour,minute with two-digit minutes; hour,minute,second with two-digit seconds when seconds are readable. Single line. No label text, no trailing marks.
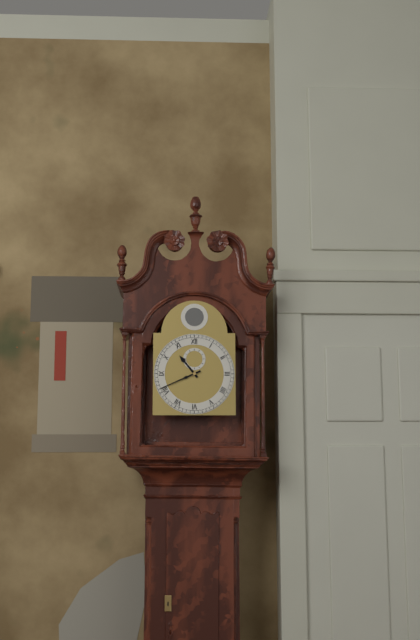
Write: 10,41
